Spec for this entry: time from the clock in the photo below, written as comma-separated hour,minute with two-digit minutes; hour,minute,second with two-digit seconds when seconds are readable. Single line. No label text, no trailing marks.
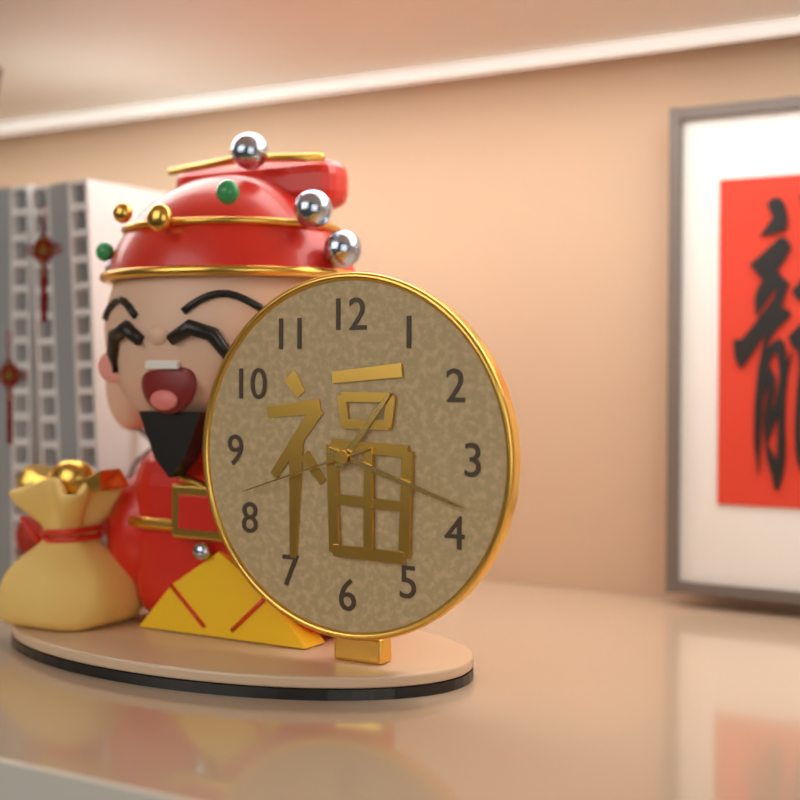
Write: 1,18,42
